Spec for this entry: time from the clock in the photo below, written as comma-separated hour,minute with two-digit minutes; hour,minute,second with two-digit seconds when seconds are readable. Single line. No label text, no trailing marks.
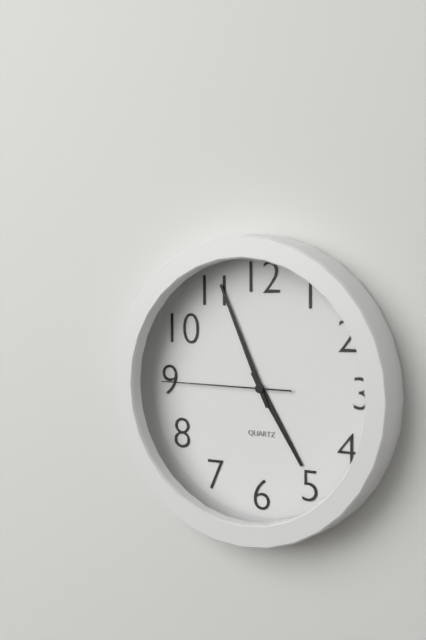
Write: 4,56,45
